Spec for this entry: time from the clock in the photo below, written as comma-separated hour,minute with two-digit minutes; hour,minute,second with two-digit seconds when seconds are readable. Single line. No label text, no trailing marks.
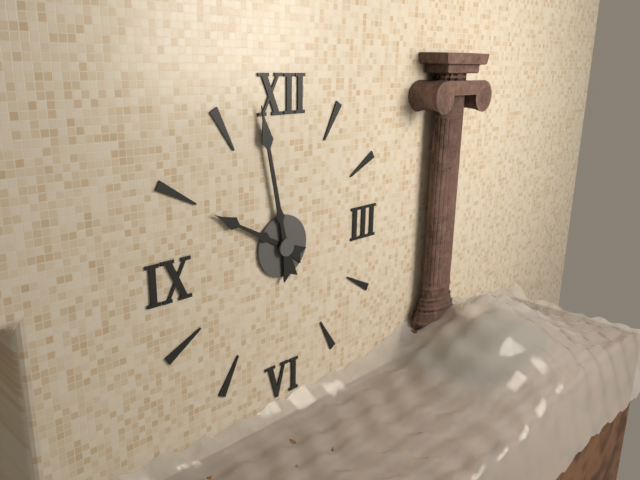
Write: 9,58
